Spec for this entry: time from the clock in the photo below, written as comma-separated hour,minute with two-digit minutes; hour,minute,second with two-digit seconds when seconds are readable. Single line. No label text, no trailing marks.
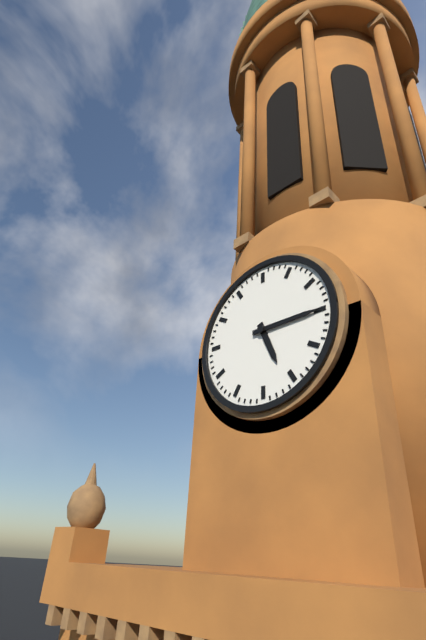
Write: 5,15
